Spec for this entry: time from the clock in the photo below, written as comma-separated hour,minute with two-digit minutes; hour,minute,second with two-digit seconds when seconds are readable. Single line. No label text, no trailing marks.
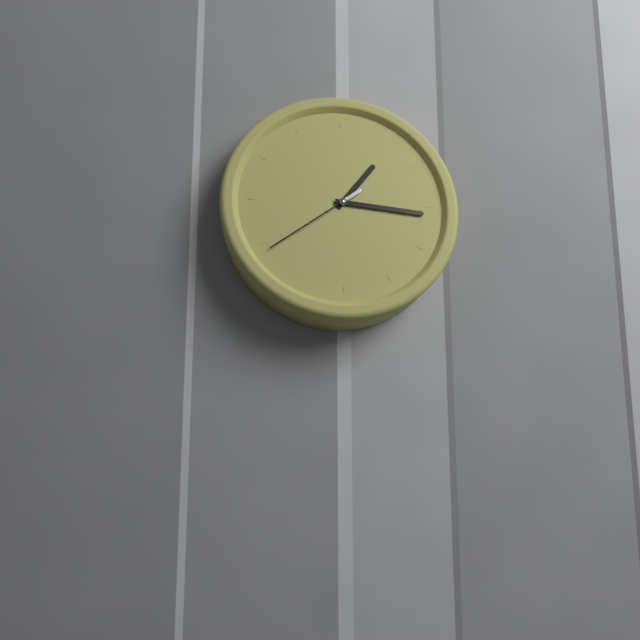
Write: 1,16,39
